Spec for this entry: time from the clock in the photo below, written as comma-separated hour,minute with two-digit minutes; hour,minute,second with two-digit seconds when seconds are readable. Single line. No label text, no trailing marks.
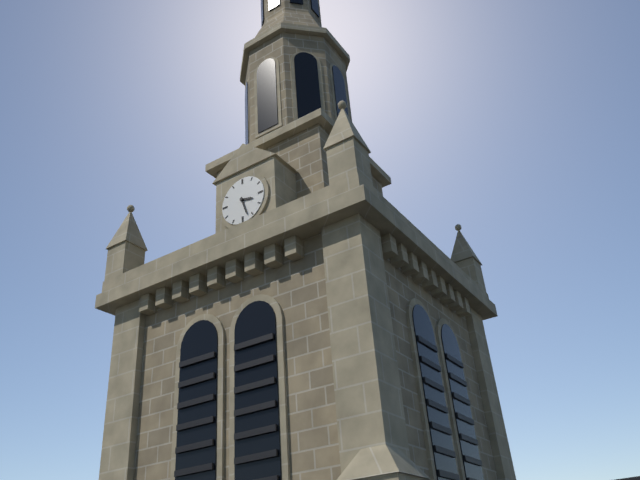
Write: 3,27
